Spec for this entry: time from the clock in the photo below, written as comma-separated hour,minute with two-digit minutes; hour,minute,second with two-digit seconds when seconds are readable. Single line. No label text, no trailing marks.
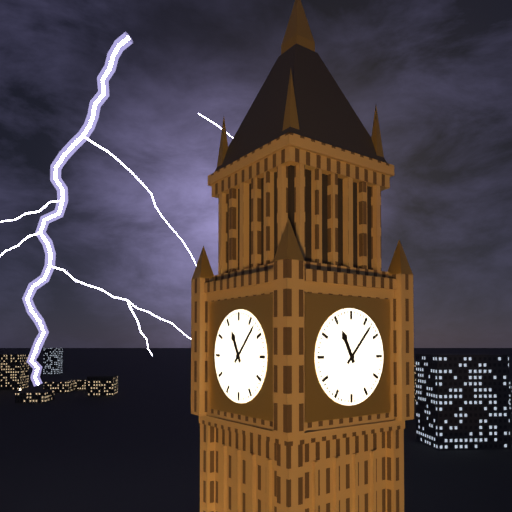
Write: 11,07
